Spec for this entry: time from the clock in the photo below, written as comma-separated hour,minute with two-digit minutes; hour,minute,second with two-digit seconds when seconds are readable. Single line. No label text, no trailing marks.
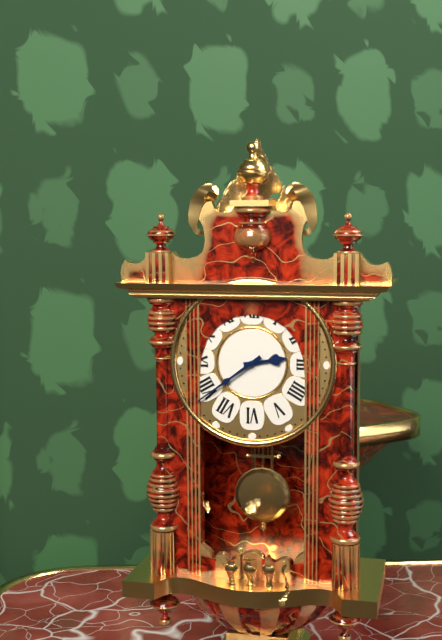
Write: 2,39
